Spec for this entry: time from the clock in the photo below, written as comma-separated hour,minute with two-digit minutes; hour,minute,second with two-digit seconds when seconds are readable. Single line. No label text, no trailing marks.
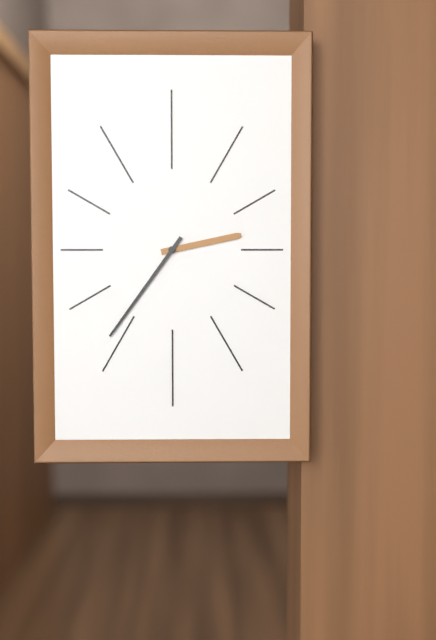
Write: 2,36
